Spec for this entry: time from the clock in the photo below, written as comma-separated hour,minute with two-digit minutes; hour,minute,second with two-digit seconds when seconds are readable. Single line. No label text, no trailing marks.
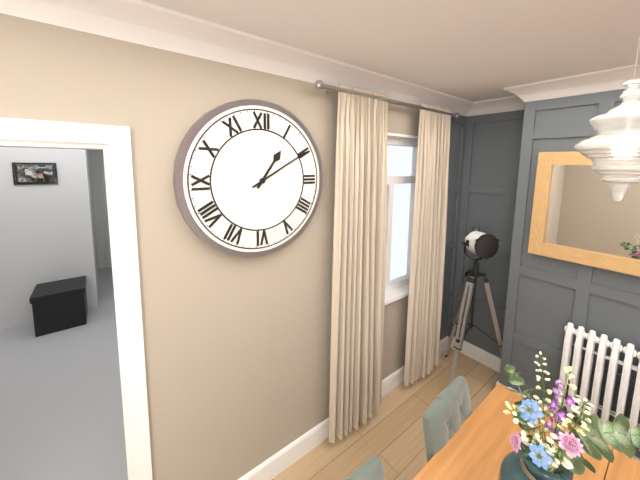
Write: 1,10
